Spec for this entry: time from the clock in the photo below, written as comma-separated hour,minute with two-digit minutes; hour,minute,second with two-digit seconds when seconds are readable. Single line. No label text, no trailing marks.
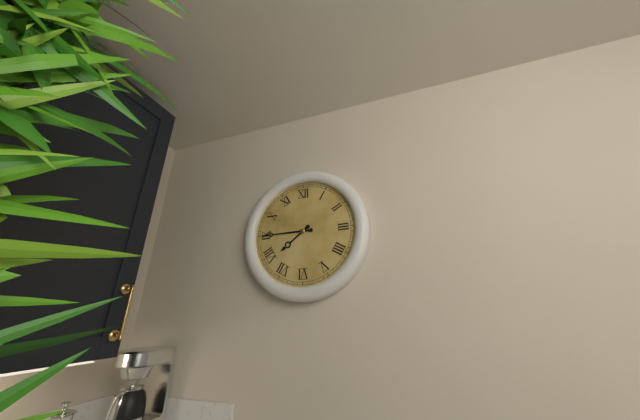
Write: 7,45
